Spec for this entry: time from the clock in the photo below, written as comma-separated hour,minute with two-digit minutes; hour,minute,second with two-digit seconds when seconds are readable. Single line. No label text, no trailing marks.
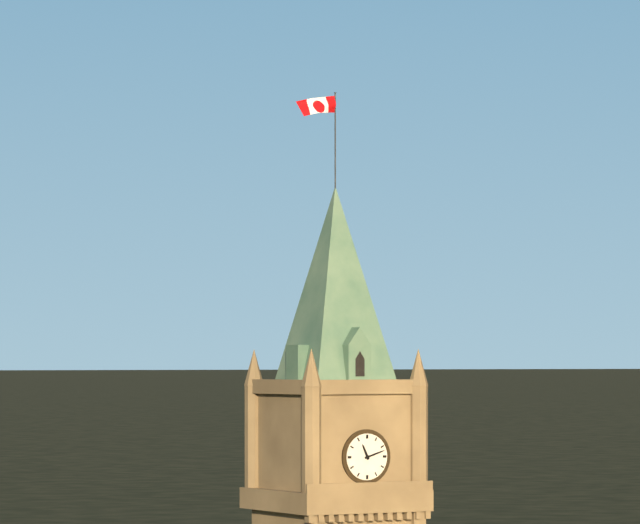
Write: 11,12
